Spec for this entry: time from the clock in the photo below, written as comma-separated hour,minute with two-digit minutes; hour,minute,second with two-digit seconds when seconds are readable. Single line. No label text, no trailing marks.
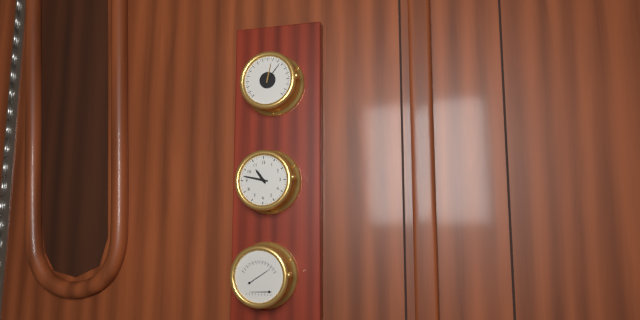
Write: 10,47
